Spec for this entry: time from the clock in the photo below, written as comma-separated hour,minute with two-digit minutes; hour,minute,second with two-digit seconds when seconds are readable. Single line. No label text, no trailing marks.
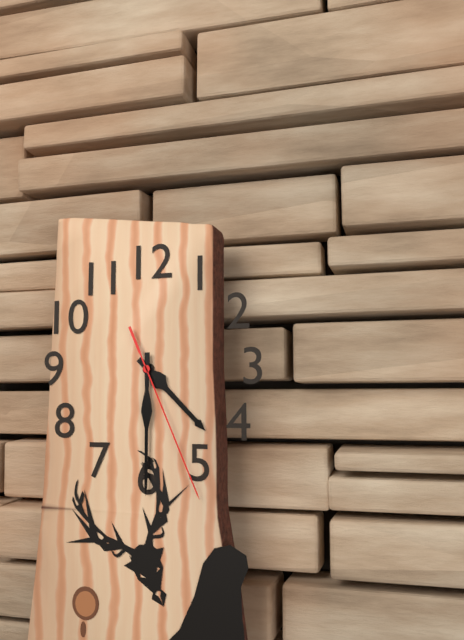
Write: 4,30,26
